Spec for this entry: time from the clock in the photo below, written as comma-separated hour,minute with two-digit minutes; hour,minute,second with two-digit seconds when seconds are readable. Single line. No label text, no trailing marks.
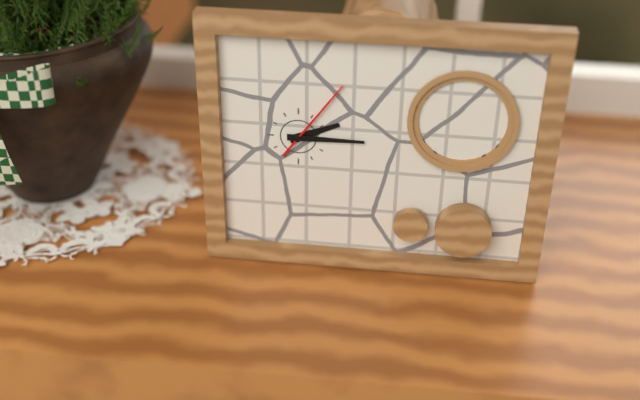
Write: 2,15,06
